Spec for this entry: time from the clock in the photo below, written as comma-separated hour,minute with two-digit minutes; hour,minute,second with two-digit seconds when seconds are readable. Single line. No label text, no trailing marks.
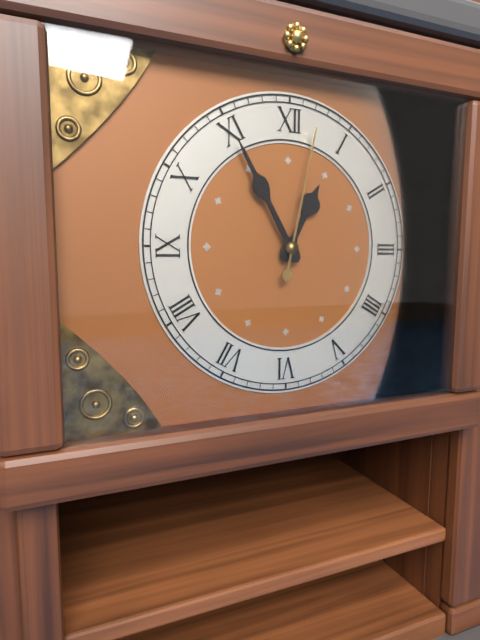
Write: 12,55,02
